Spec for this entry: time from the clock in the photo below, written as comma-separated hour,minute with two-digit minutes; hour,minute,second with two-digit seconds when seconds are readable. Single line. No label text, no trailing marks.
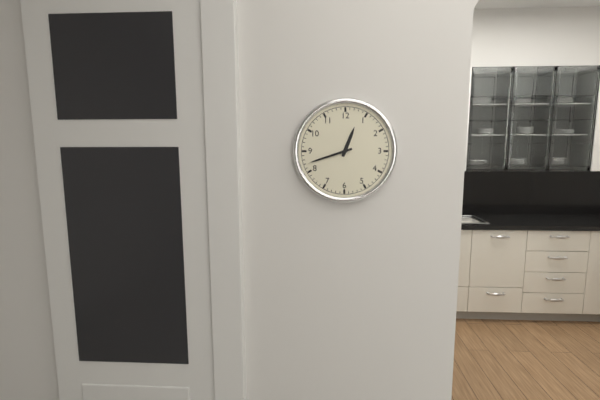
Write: 12,42
